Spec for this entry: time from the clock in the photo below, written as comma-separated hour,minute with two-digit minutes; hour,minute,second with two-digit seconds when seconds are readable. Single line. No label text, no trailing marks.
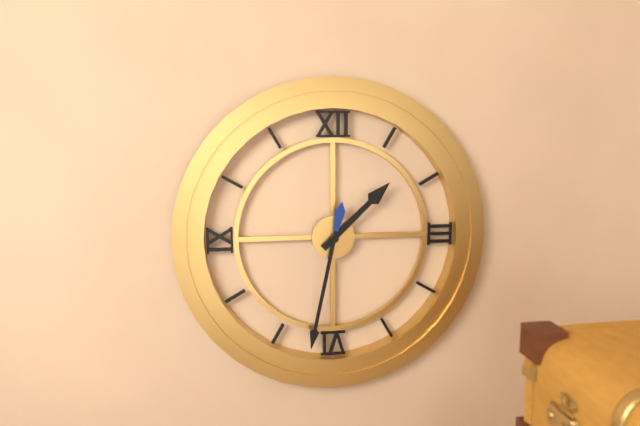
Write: 1,32
